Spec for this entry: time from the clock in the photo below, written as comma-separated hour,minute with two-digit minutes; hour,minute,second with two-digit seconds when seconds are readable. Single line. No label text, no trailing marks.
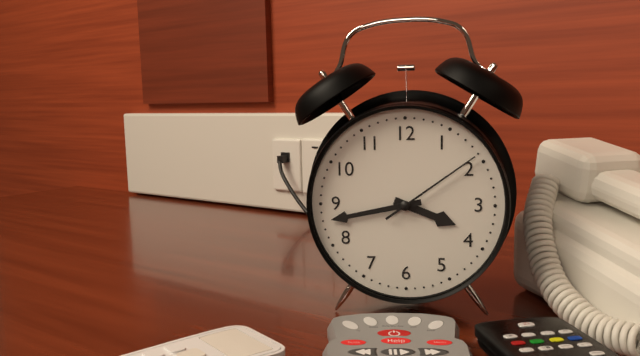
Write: 3,43,09
